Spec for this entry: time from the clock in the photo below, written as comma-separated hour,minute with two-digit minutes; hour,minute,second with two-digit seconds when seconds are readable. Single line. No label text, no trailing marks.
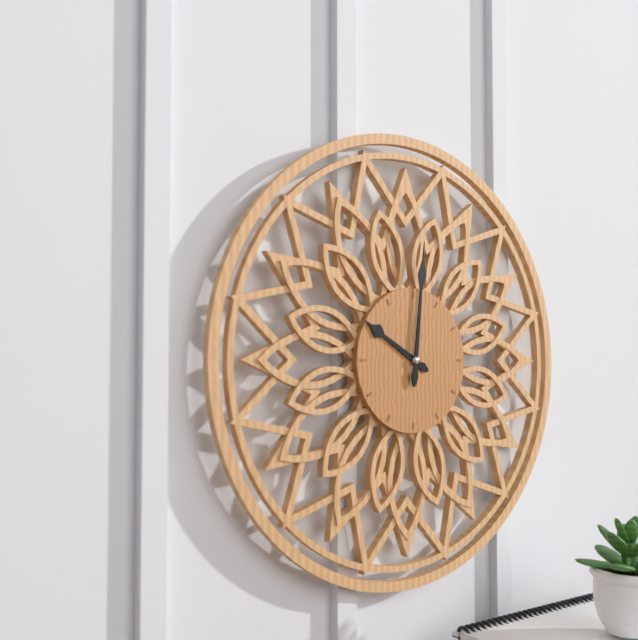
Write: 10,01
